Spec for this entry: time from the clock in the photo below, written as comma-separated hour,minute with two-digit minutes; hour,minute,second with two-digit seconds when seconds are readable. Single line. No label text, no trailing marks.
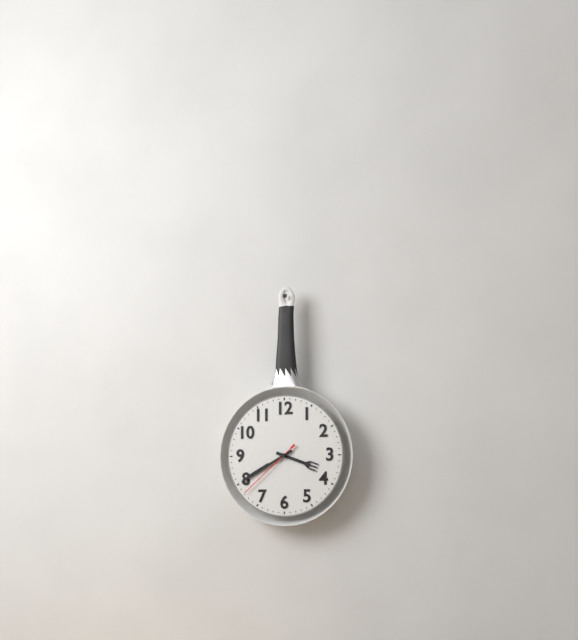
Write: 3,40,38
